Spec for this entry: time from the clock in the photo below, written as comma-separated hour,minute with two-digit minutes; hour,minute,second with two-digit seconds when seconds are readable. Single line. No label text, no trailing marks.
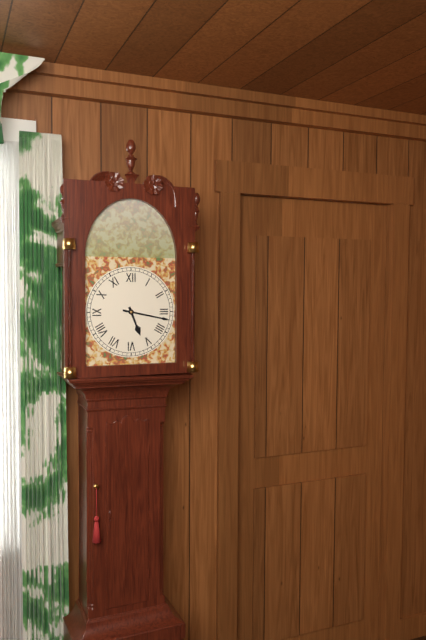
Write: 5,17
